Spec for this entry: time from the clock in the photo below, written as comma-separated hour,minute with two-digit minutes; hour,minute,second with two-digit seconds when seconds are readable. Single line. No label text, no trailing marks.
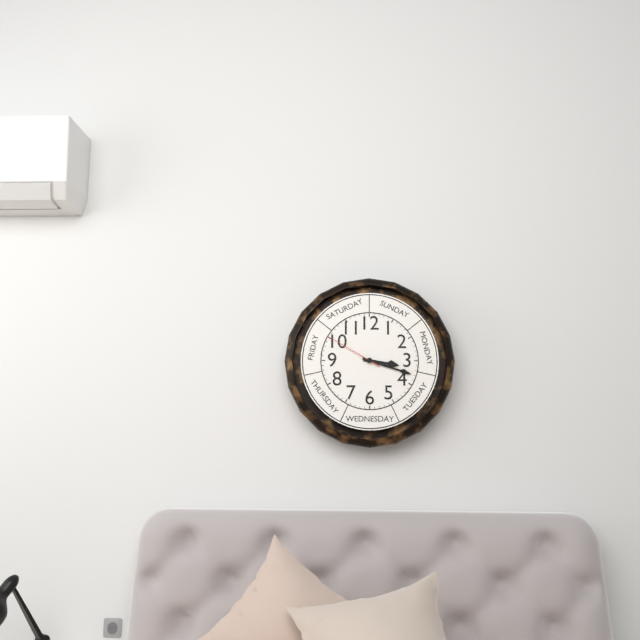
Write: 3,18,50
